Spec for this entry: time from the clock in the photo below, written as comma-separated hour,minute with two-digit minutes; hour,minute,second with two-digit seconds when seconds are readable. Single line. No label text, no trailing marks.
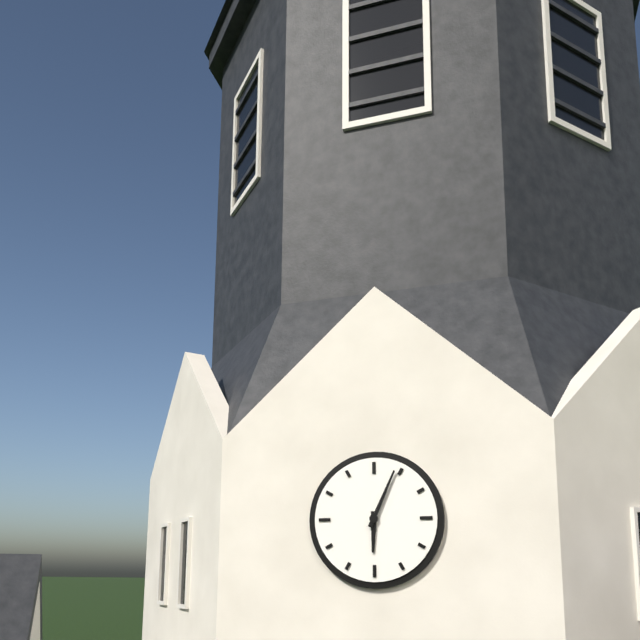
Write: 6,04
